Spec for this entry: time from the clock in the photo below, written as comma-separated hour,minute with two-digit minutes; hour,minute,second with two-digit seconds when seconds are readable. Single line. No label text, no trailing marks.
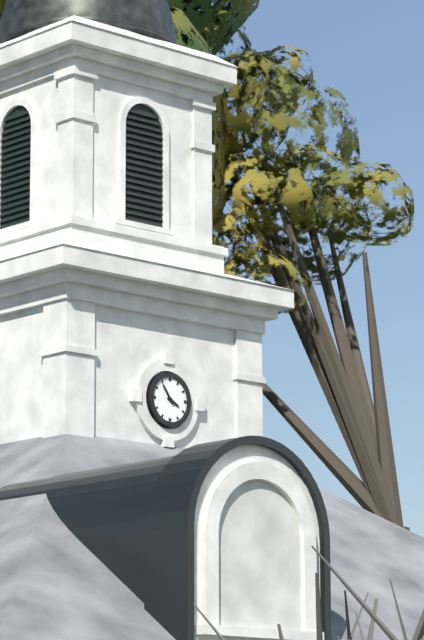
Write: 3,54
